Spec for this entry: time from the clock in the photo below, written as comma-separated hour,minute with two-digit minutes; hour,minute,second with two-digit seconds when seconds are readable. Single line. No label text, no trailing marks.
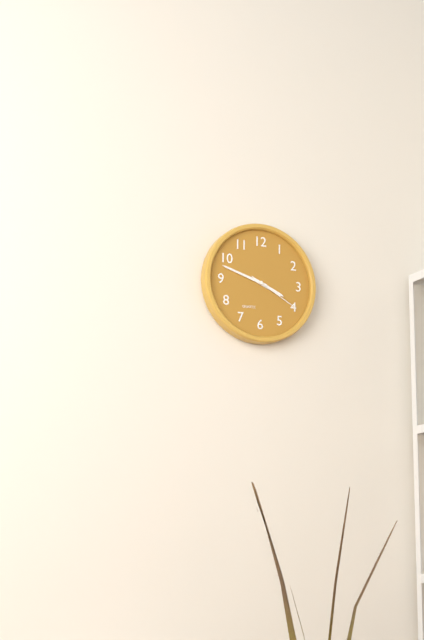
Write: 3,48,20
